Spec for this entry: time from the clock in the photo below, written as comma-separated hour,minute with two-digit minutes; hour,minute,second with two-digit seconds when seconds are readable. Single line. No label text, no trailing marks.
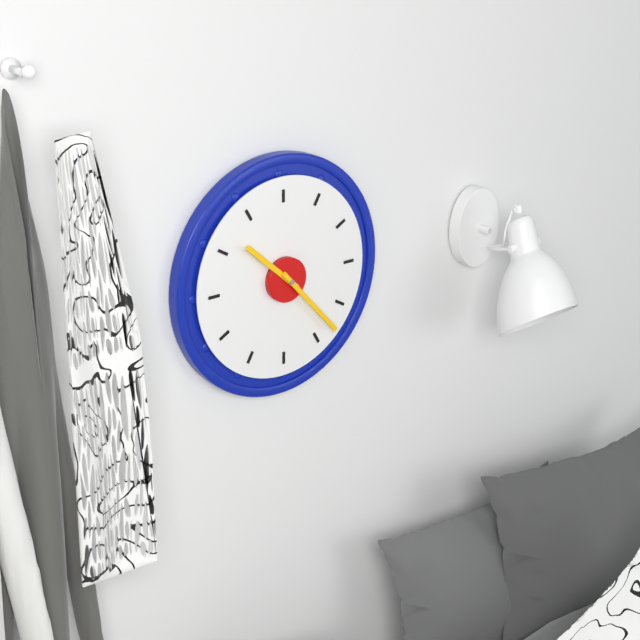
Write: 10,23
